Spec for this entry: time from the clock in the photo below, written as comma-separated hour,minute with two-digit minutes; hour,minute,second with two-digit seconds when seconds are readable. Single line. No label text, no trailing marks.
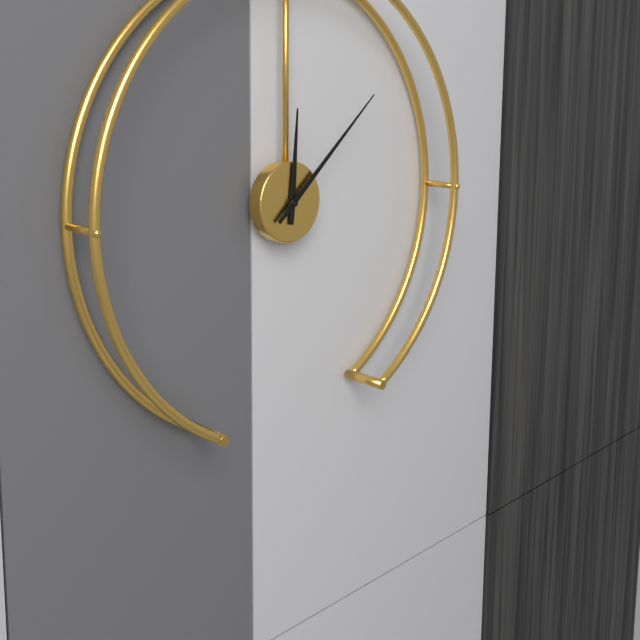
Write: 12,08
